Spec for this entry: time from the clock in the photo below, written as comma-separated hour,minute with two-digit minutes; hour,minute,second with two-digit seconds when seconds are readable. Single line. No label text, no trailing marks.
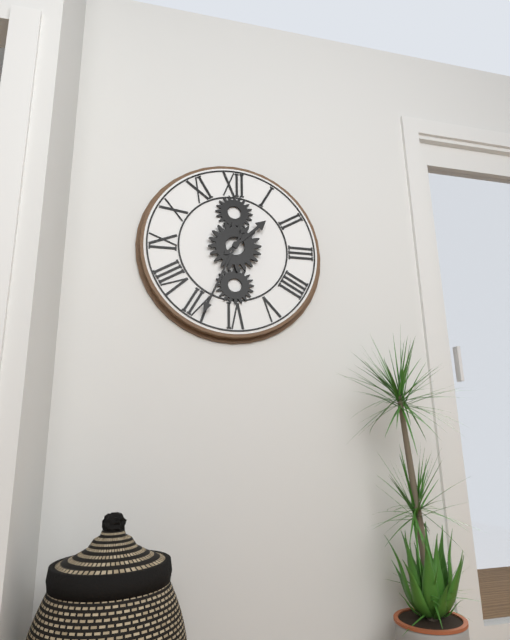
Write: 1,34
